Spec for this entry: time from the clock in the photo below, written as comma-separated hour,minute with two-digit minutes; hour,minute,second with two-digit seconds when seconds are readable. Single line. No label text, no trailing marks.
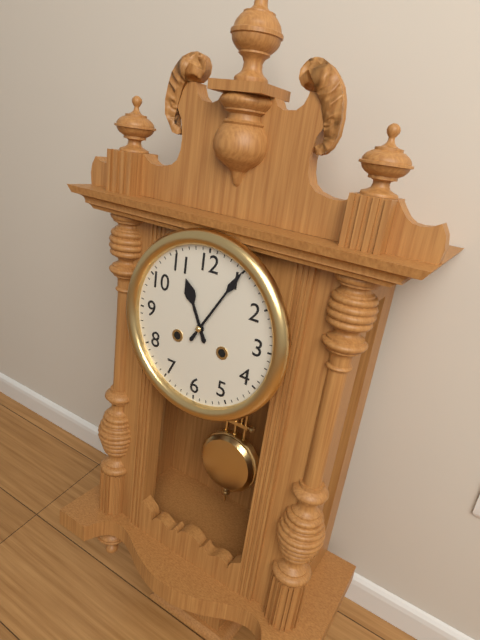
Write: 11,05
